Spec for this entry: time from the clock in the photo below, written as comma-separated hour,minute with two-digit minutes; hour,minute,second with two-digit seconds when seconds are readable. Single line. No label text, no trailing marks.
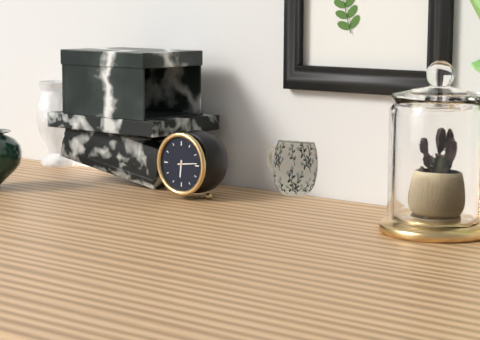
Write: 6,14
